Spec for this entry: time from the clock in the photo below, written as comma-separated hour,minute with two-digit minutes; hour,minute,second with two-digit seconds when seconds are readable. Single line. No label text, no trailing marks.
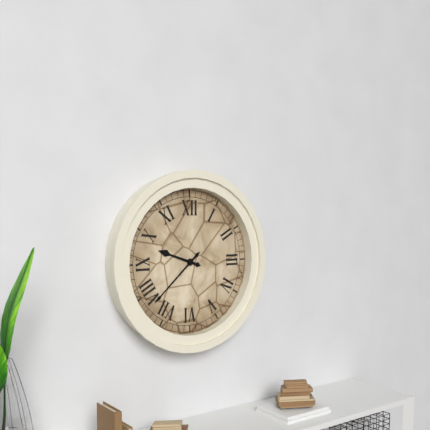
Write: 9,38
